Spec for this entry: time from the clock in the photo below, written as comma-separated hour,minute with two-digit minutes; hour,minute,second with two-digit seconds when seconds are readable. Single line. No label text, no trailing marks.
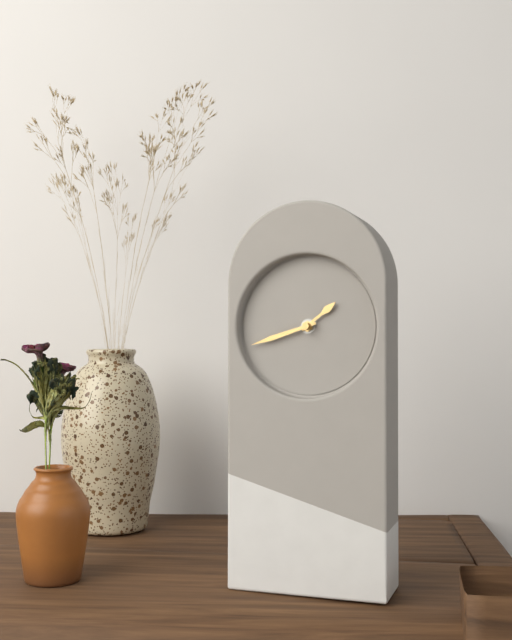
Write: 1,42
